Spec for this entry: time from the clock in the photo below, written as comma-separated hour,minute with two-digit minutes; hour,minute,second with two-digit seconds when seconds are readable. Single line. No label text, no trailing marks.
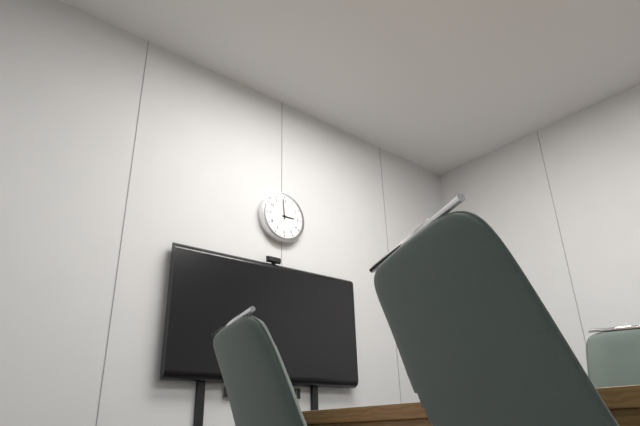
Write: 2,59
